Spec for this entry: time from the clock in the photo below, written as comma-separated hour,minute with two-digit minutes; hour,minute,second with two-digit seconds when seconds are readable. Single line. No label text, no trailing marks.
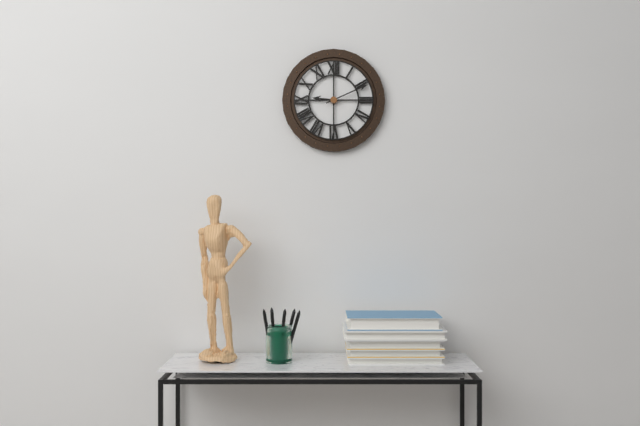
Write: 9,11
